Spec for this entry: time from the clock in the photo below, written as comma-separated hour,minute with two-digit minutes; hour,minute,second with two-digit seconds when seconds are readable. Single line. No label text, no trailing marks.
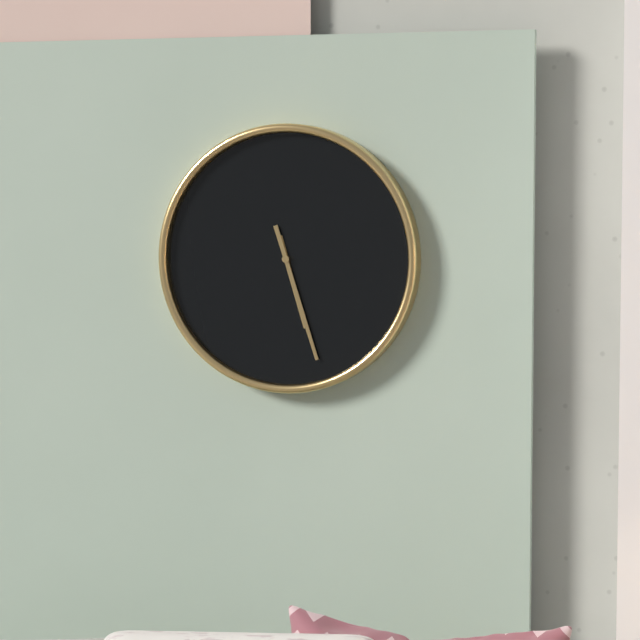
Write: 5,27
